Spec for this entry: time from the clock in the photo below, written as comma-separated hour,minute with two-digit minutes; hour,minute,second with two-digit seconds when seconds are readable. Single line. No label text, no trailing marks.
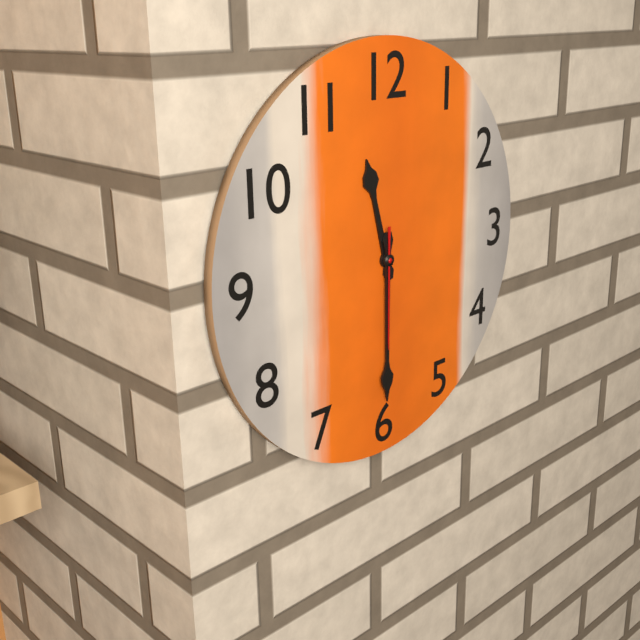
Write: 11,30,30
